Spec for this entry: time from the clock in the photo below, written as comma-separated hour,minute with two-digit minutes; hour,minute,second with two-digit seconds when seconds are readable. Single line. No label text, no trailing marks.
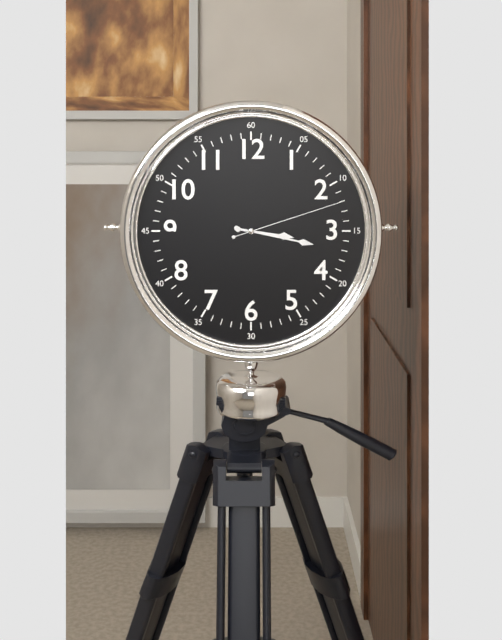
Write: 3,17,12
